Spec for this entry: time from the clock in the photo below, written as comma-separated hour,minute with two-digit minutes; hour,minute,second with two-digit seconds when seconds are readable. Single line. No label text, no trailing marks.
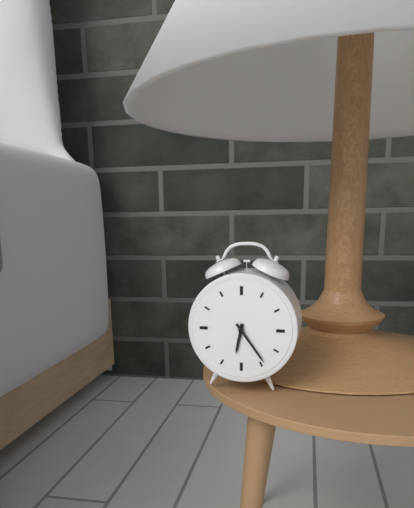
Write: 6,24
